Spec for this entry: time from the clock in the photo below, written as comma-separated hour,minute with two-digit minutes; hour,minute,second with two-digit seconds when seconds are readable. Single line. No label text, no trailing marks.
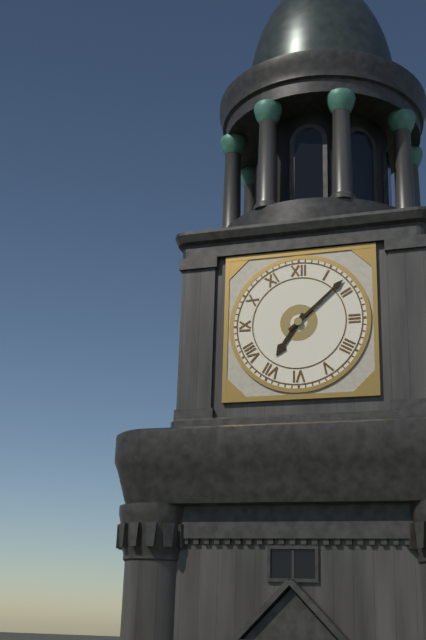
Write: 7,08
